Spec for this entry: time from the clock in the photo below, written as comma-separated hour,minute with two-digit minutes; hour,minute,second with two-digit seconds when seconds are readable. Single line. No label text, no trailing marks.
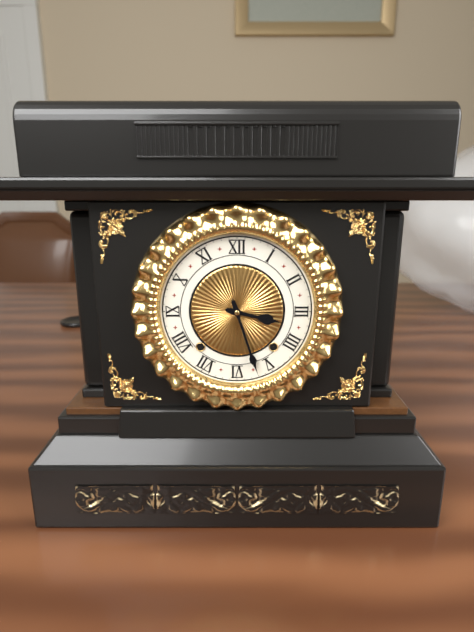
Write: 3,27
